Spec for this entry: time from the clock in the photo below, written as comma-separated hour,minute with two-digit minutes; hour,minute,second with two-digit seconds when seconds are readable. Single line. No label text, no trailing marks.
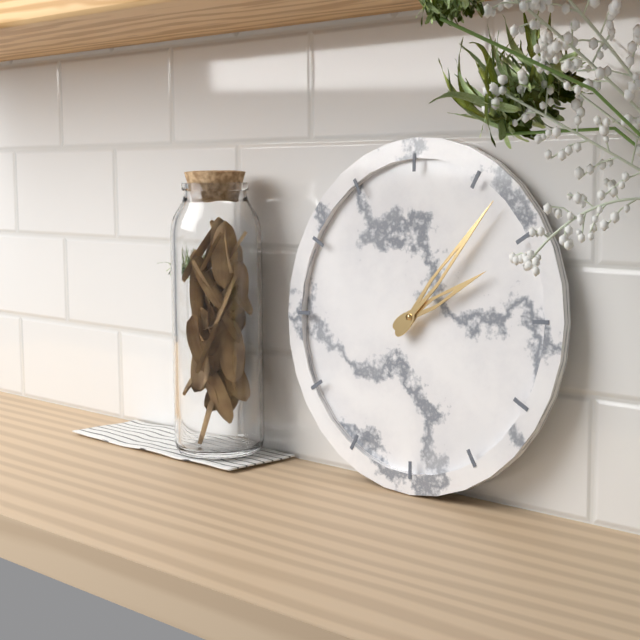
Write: 2,07
